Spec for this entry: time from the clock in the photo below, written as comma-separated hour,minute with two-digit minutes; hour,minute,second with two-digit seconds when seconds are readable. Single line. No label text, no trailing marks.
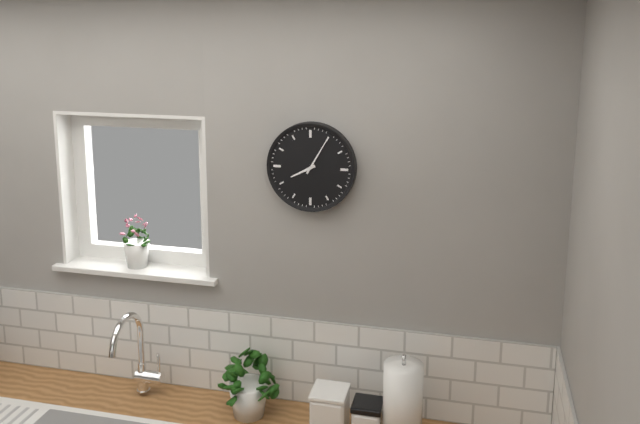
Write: 8,05
